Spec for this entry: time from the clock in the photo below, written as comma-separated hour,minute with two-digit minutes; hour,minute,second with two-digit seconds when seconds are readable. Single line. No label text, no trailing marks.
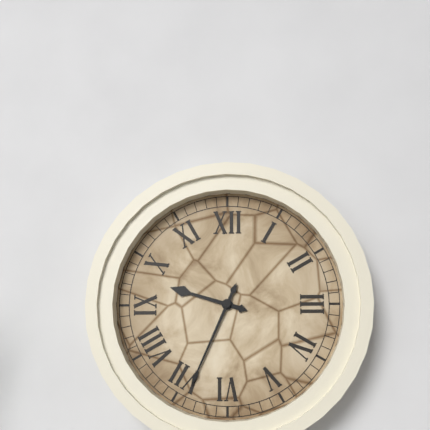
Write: 9,34
